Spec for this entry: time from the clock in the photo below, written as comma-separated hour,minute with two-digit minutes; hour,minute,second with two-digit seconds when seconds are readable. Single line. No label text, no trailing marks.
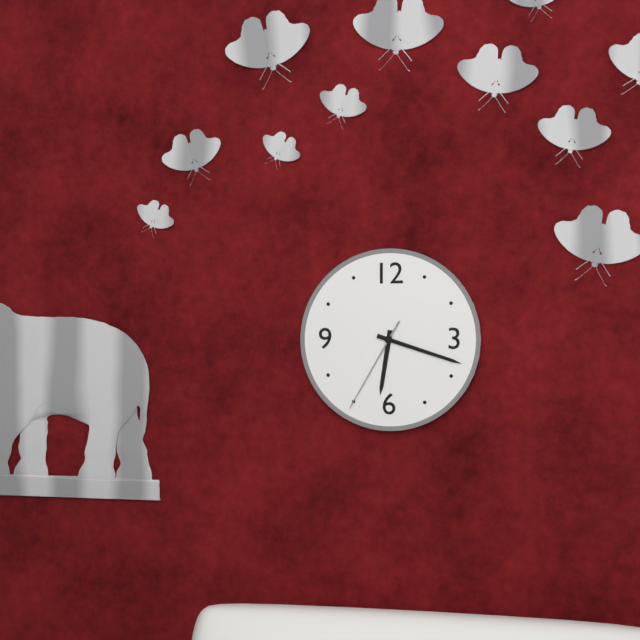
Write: 6,18,35
